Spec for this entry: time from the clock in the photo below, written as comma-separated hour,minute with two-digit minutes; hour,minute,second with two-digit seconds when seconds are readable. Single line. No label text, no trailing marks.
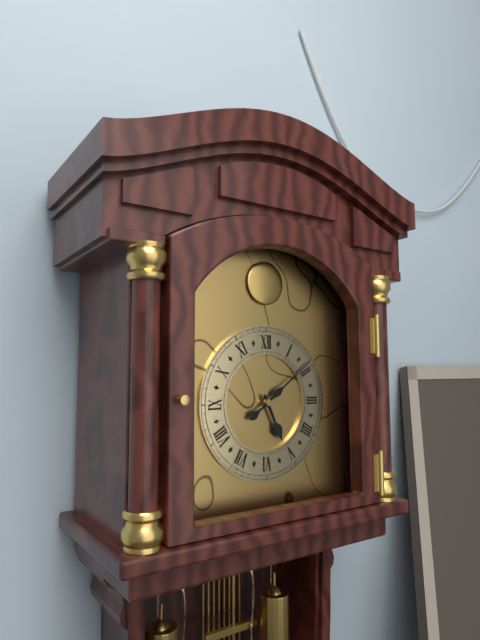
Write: 5,09
